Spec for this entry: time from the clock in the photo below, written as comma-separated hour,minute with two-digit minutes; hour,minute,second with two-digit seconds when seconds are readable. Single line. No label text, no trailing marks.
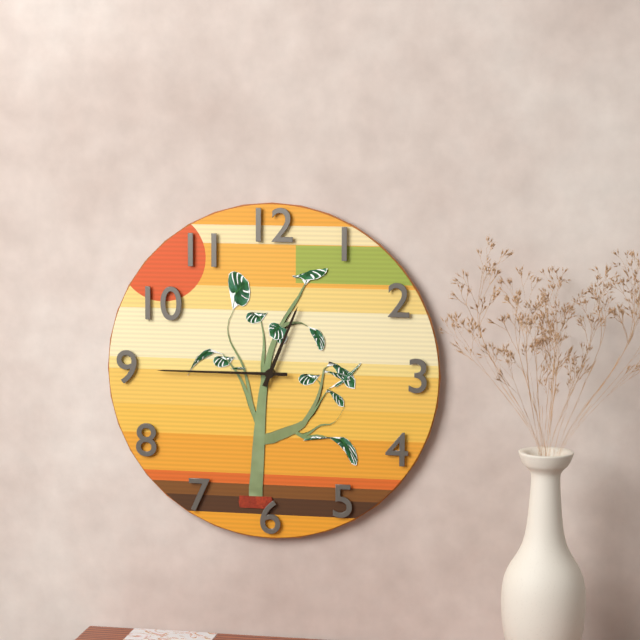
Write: 12,45
